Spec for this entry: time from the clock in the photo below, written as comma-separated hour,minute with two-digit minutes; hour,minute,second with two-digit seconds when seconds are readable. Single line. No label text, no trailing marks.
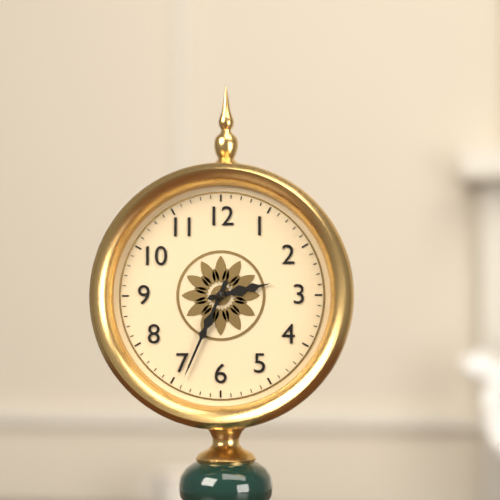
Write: 2,34
